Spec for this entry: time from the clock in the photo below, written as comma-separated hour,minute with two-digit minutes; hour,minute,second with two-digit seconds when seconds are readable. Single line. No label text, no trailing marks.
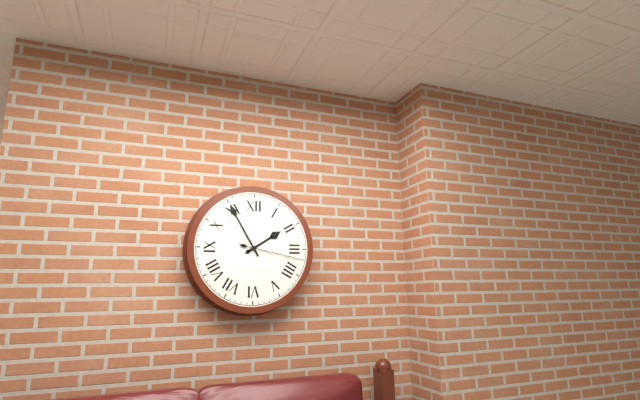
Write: 1,55,17
